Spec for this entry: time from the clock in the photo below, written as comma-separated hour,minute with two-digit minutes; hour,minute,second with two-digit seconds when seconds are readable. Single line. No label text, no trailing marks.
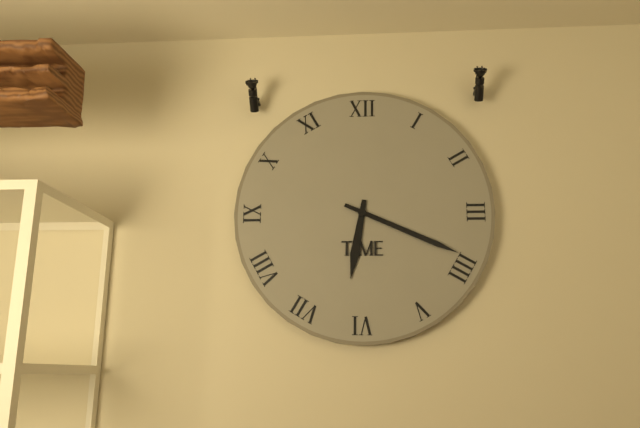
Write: 6,19
